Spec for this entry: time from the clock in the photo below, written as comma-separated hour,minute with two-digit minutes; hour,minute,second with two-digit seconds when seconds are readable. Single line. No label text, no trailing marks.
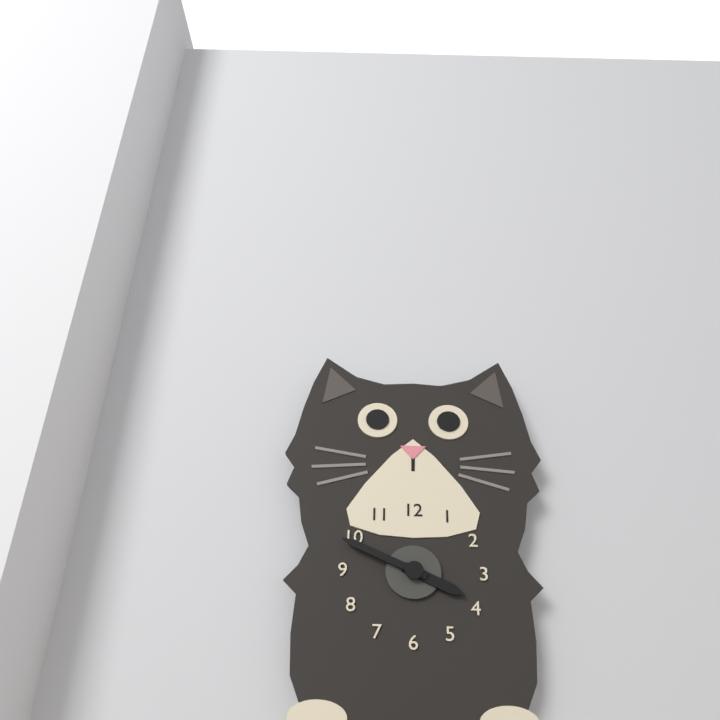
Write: 3,49
